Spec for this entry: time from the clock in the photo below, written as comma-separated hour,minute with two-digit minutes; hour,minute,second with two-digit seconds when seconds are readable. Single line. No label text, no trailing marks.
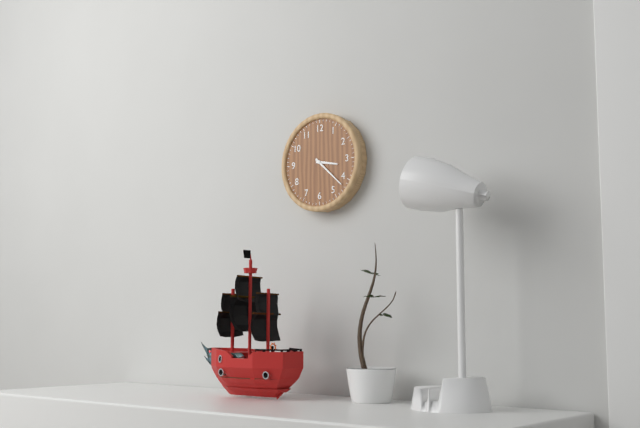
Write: 3,22
